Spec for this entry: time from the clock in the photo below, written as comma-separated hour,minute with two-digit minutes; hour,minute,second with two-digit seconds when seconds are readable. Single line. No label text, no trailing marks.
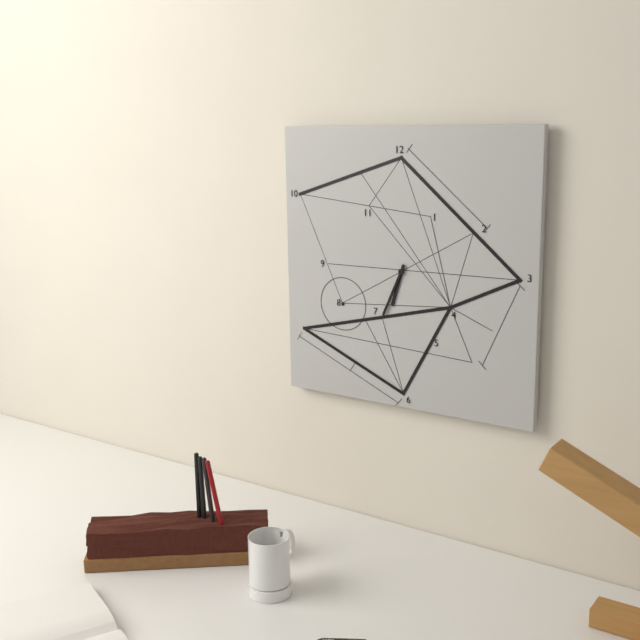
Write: 6,34
